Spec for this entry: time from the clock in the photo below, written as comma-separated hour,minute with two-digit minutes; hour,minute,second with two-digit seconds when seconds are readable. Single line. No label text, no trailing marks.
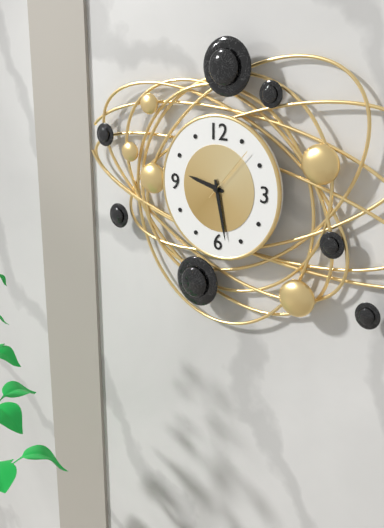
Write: 9,28,07
